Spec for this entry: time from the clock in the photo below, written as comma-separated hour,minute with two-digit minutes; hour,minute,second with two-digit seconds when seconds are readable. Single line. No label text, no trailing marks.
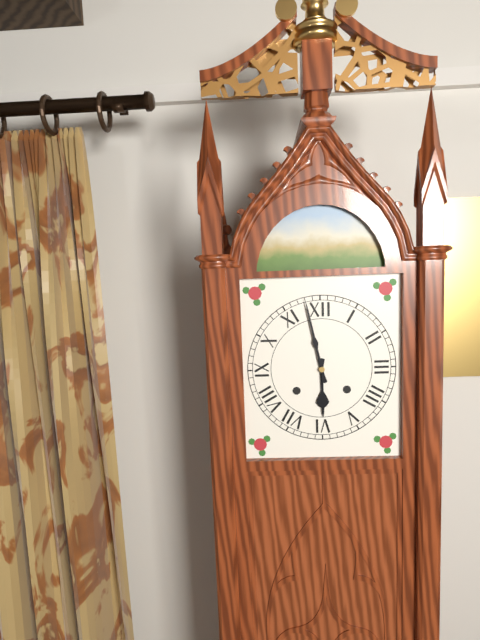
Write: 5,58
